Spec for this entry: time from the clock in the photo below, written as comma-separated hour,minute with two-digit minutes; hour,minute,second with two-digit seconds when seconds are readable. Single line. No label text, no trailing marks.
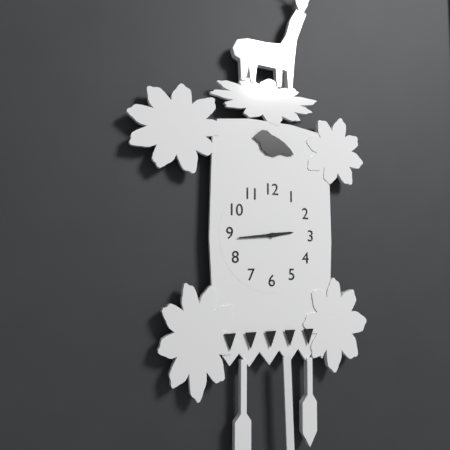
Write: 2,44
